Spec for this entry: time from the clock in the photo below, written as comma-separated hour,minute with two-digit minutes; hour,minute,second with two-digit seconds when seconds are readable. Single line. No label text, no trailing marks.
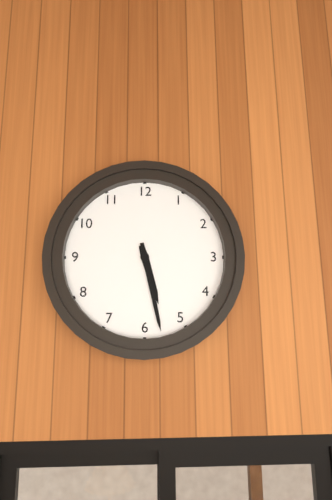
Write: 5,28
